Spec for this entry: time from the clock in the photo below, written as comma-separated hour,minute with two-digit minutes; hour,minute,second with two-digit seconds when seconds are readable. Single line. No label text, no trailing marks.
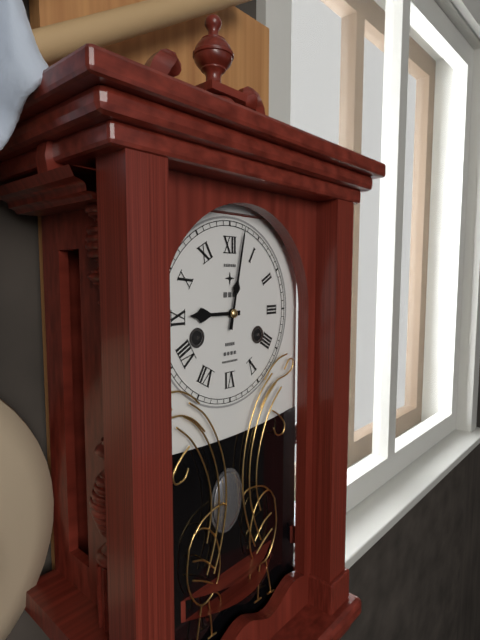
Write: 9,02
